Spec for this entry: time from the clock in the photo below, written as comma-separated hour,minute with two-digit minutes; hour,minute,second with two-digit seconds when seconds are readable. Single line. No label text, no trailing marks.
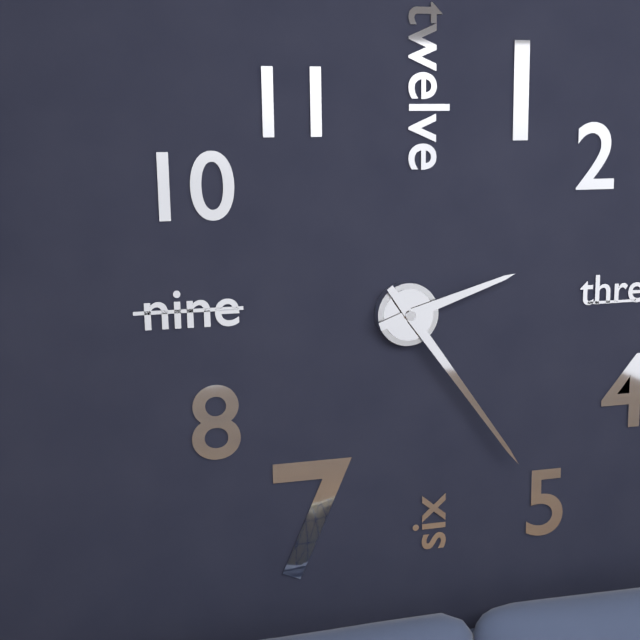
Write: 2,24
